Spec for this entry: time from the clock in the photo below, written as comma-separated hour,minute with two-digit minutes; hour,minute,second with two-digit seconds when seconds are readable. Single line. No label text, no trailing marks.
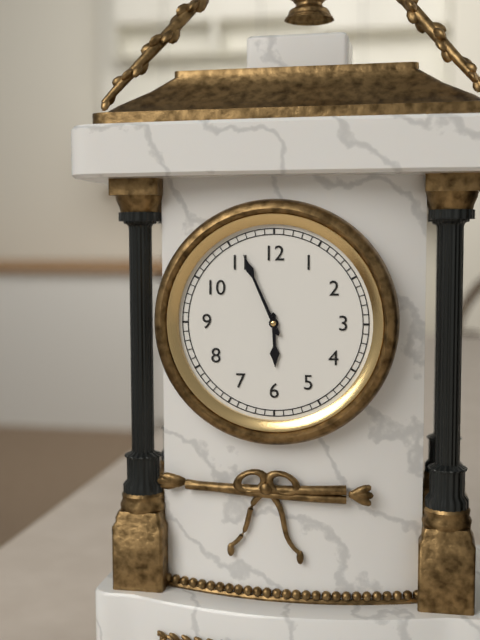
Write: 5,56
